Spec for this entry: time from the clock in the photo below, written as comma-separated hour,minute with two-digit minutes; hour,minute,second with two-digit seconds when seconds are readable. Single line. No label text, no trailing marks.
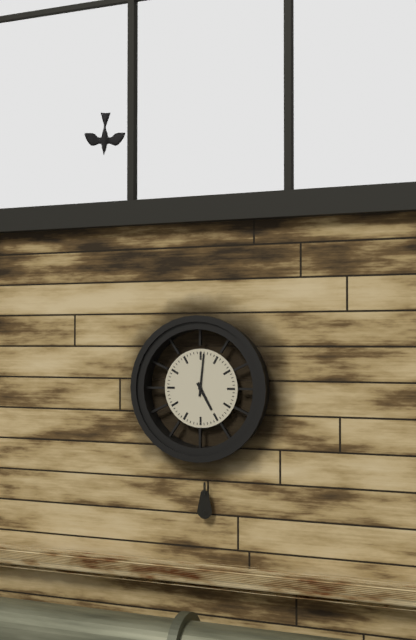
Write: 5,01
